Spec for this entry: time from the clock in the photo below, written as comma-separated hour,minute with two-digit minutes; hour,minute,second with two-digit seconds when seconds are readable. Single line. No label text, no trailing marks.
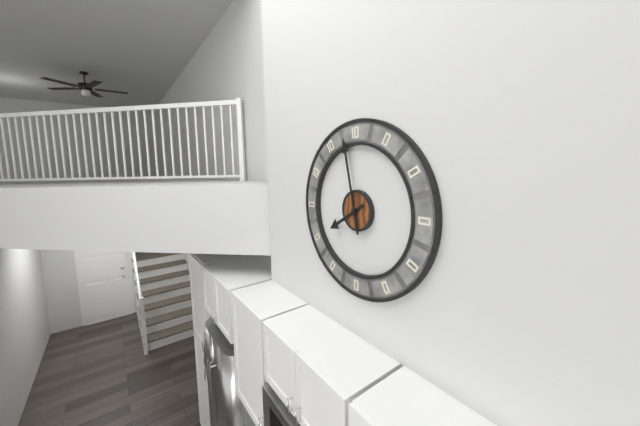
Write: 7,58
